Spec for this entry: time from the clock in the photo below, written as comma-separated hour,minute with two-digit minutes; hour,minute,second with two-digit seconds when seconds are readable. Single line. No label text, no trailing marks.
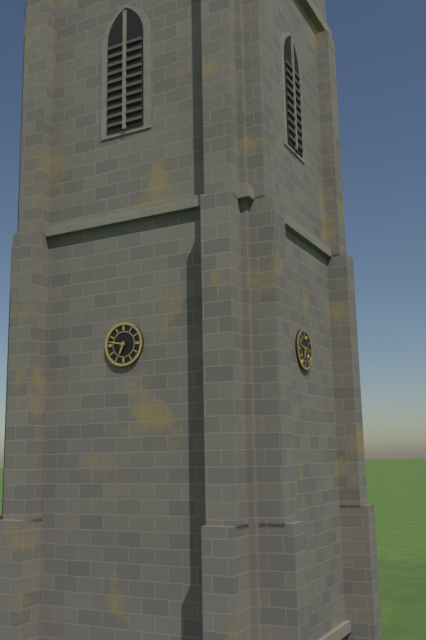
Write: 6,47
